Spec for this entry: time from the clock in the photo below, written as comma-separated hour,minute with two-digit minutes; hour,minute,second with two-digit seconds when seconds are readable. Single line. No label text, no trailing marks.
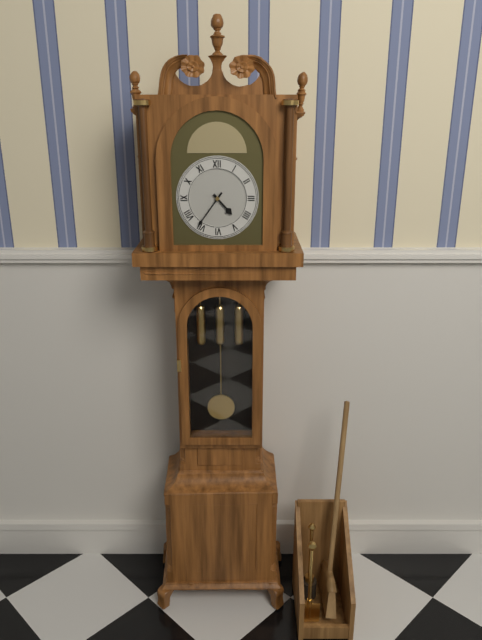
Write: 4,36
